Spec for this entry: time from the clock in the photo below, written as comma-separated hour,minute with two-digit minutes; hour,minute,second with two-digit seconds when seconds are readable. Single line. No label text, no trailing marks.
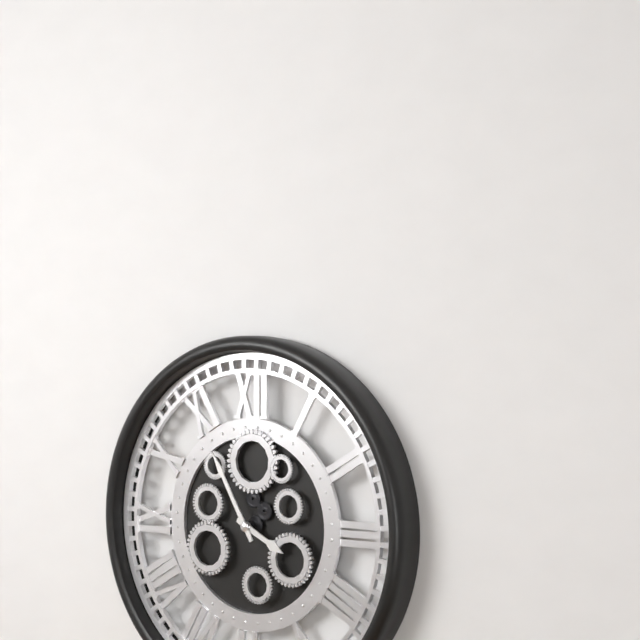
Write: 3,55
